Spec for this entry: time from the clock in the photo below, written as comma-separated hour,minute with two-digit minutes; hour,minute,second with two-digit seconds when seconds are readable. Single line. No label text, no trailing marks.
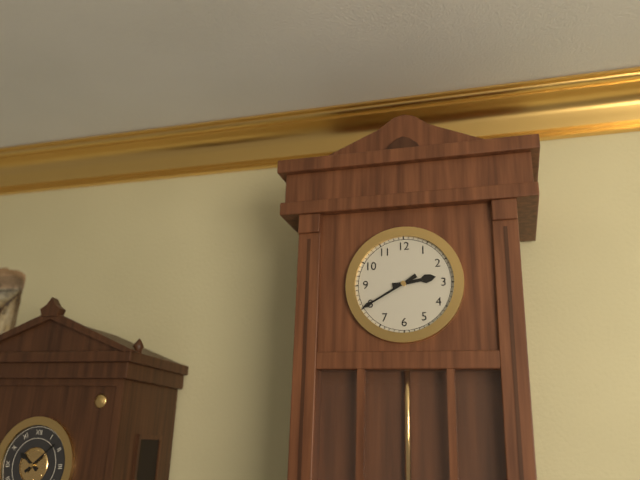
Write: 2,40
